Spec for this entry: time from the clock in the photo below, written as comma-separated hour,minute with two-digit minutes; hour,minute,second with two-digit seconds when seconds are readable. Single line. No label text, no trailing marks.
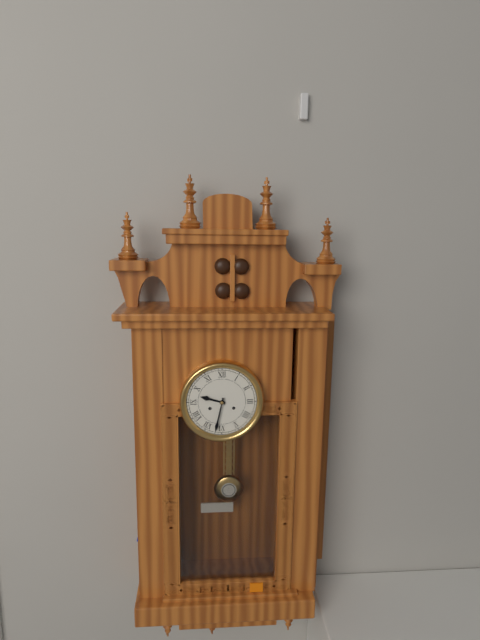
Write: 9,32
